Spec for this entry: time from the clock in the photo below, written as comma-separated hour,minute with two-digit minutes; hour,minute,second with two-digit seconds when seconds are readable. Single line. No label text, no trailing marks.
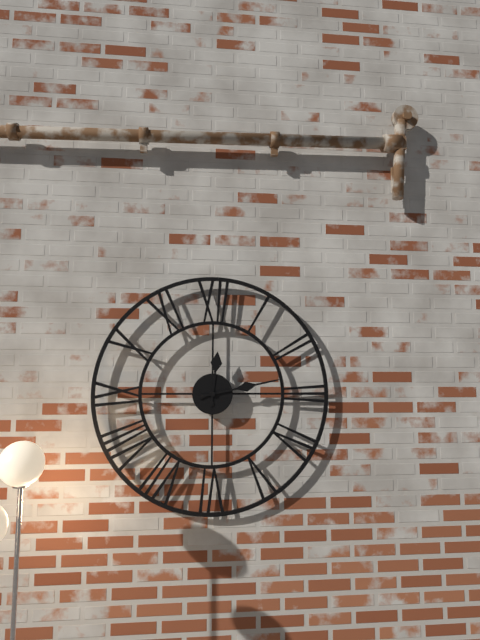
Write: 12,13
